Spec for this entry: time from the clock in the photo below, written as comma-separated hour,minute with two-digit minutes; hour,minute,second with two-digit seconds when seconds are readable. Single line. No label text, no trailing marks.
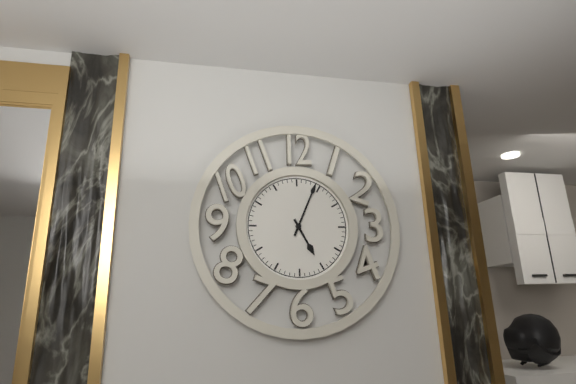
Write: 5,04
